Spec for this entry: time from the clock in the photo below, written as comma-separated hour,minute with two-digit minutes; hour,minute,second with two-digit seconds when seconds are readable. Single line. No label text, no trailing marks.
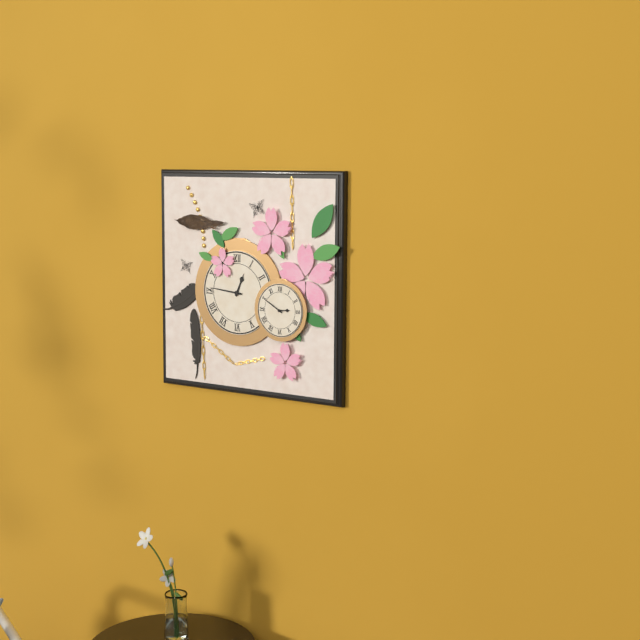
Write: 12,46
